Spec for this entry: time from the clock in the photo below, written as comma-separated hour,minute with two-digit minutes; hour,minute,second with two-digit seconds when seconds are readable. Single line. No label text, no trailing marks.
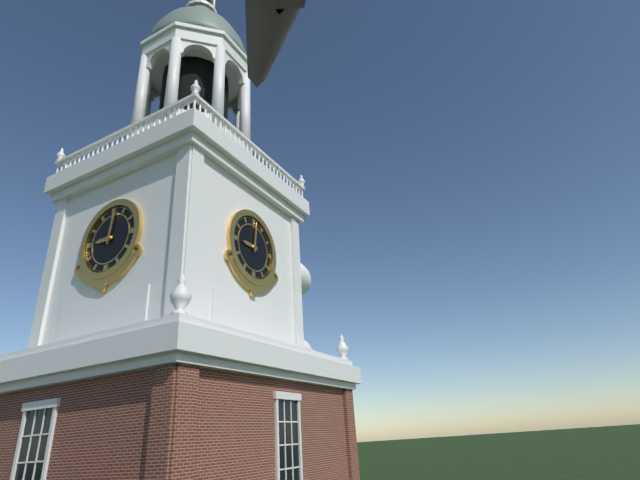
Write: 9,01
